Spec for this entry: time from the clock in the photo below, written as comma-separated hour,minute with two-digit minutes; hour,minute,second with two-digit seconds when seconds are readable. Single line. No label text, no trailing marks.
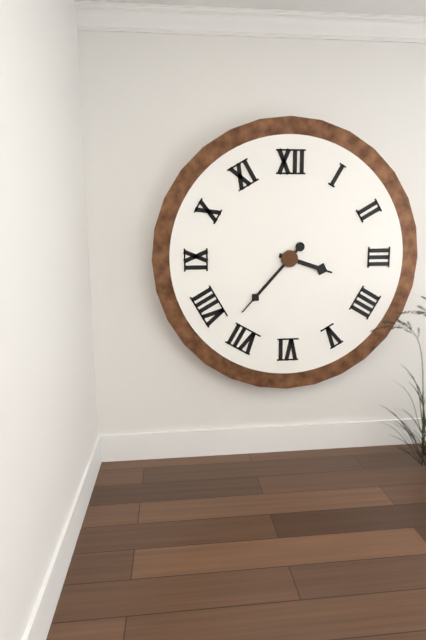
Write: 3,37
